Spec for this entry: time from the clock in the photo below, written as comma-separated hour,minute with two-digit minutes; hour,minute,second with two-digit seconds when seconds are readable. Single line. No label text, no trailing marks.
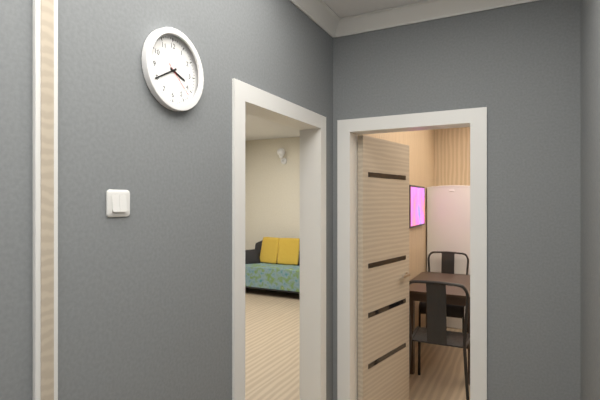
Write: 3,40
